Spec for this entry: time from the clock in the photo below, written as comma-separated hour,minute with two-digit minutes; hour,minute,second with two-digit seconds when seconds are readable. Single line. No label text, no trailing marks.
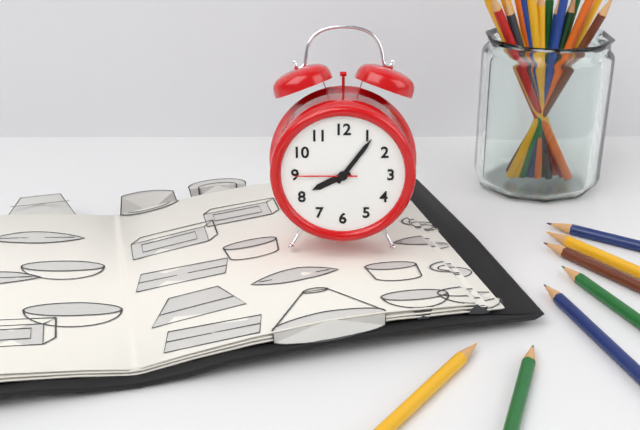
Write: 8,06,45
